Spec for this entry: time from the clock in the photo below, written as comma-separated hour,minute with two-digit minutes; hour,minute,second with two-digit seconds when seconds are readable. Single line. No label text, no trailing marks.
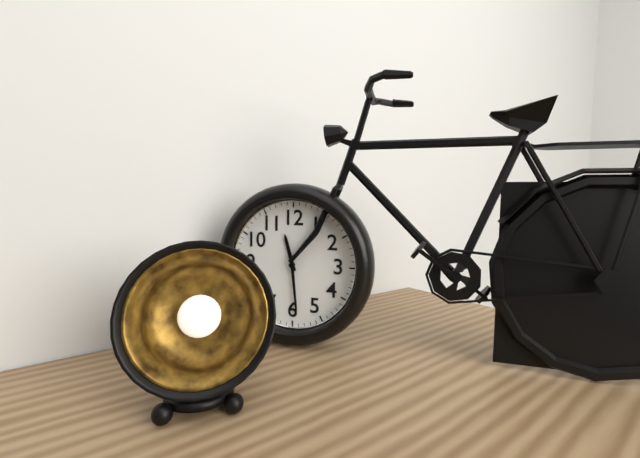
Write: 11,29
